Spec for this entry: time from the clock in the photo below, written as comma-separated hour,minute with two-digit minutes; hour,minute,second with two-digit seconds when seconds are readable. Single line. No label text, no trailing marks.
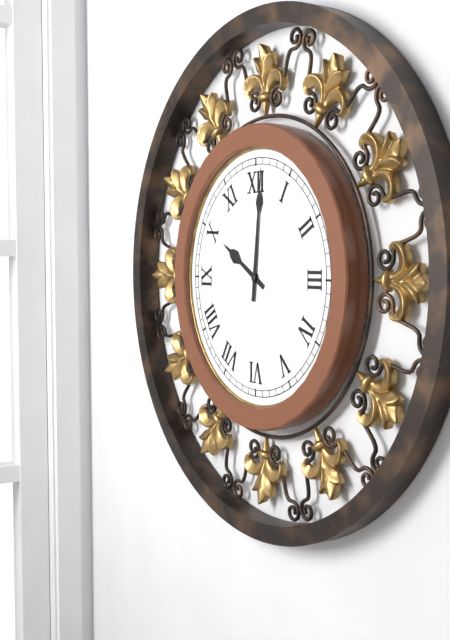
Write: 10,01
